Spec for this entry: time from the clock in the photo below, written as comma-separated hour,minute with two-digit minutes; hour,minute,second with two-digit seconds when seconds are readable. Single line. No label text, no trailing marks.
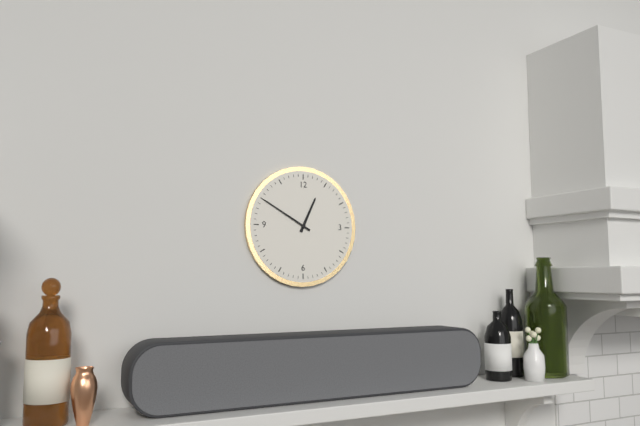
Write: 12,50
